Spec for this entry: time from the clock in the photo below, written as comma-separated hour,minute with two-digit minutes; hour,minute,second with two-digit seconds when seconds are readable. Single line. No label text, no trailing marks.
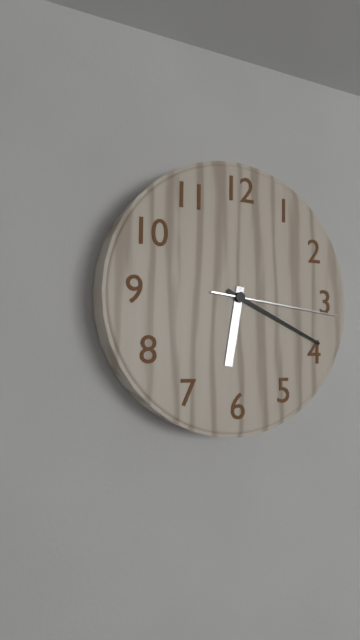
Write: 6,19,16
